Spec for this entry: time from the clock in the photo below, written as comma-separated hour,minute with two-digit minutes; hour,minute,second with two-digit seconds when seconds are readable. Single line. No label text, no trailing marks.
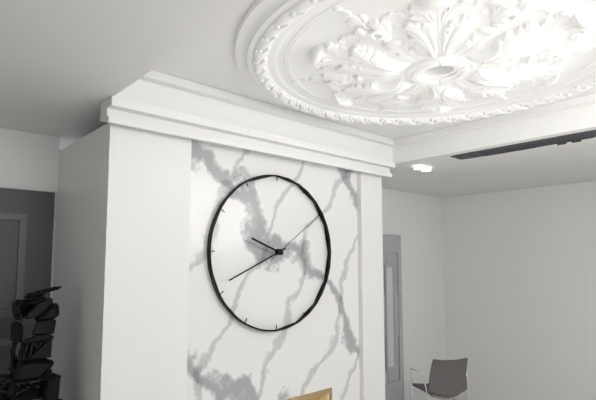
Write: 9,41,09
